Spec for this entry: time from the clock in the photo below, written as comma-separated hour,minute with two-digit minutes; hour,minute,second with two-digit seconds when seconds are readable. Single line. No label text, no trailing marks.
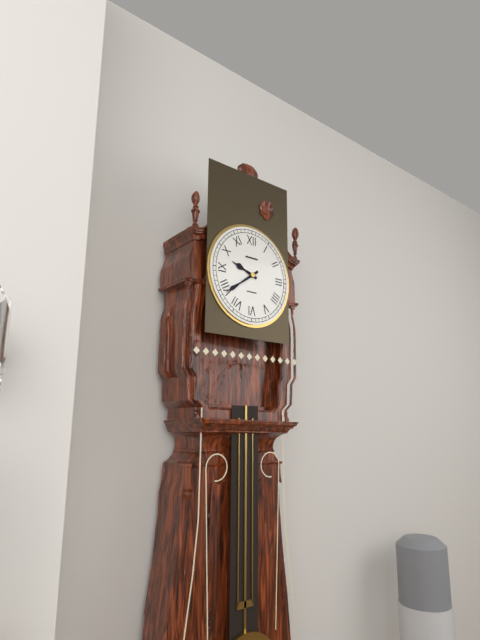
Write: 9,39
